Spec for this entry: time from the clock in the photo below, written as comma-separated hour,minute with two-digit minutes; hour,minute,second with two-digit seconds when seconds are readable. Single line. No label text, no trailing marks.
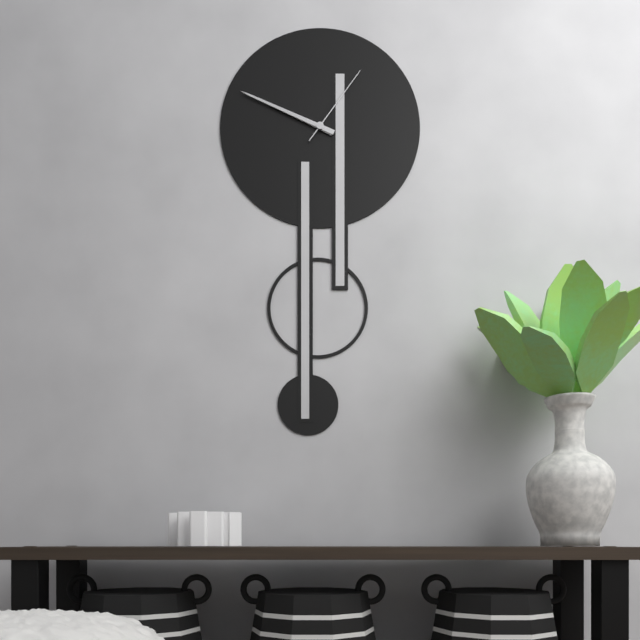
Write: 9,49,06
